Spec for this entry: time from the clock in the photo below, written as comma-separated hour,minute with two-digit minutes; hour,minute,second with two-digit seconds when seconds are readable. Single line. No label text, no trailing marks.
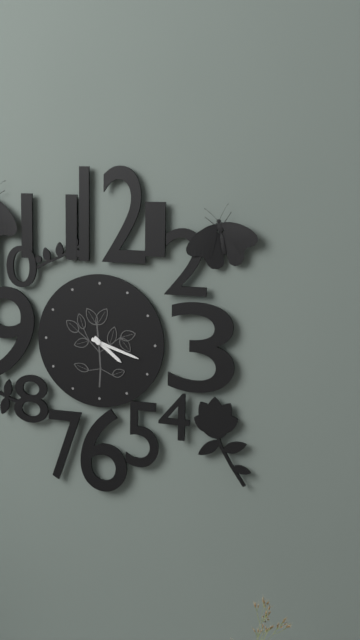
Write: 4,18
